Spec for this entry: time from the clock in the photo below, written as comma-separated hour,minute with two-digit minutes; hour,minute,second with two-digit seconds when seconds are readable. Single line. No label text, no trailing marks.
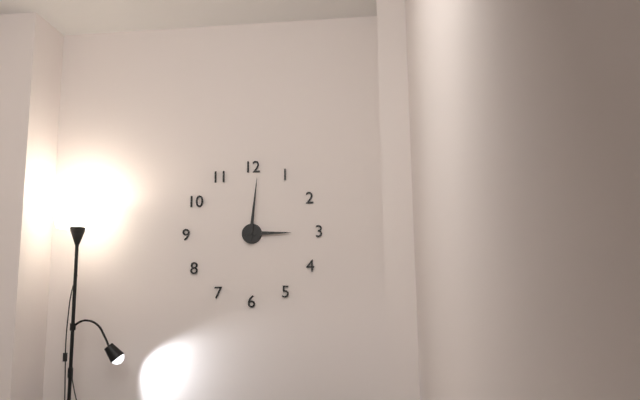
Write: 3,01
